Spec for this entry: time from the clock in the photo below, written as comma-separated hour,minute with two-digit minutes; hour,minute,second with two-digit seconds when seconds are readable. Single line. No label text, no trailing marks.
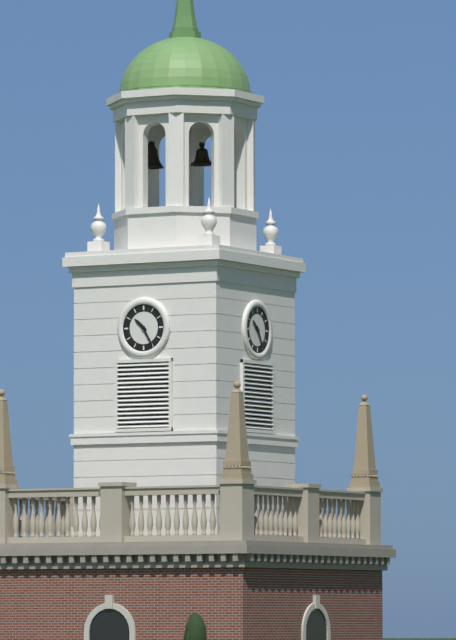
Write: 10,25
